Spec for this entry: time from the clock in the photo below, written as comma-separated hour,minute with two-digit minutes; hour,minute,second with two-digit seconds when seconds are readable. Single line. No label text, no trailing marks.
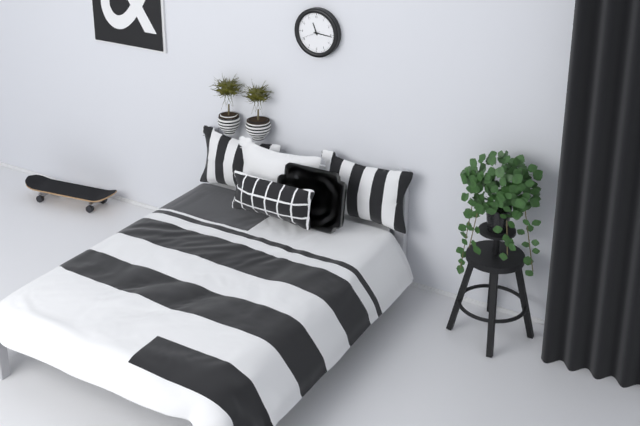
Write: 11,16
